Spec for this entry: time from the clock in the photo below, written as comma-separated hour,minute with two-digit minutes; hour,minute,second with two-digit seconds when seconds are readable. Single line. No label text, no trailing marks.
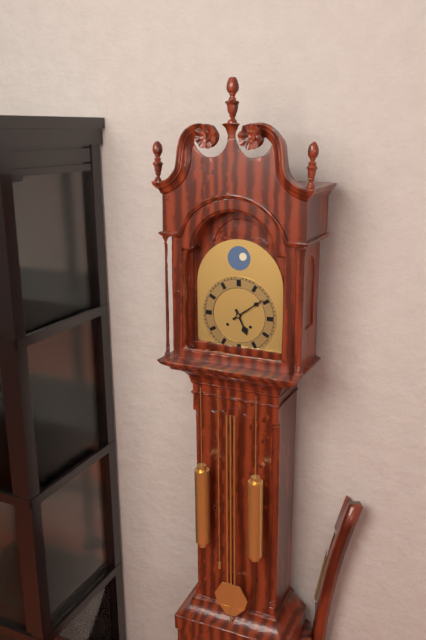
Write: 5,09
